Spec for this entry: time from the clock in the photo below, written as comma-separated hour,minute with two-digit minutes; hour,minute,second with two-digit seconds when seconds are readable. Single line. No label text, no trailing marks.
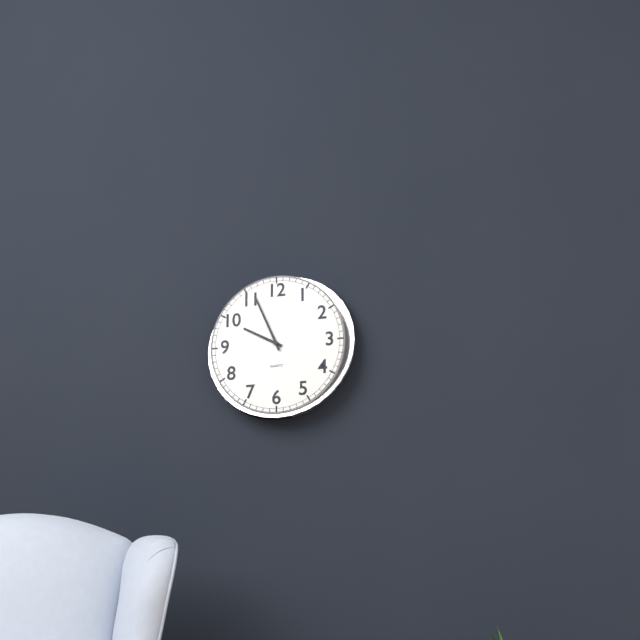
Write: 9,56
